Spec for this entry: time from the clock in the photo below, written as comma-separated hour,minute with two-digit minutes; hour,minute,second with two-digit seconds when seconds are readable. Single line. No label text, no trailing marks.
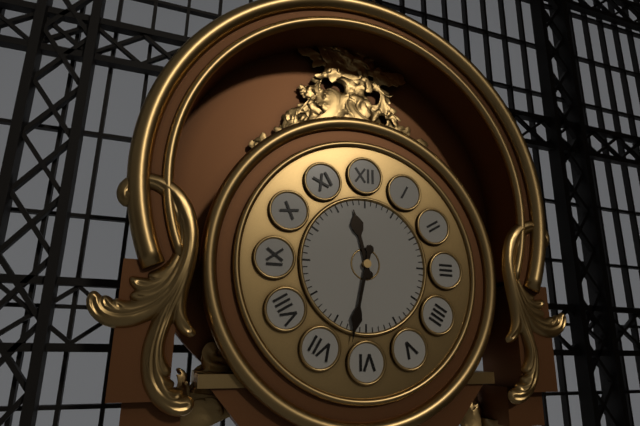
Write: 11,32
